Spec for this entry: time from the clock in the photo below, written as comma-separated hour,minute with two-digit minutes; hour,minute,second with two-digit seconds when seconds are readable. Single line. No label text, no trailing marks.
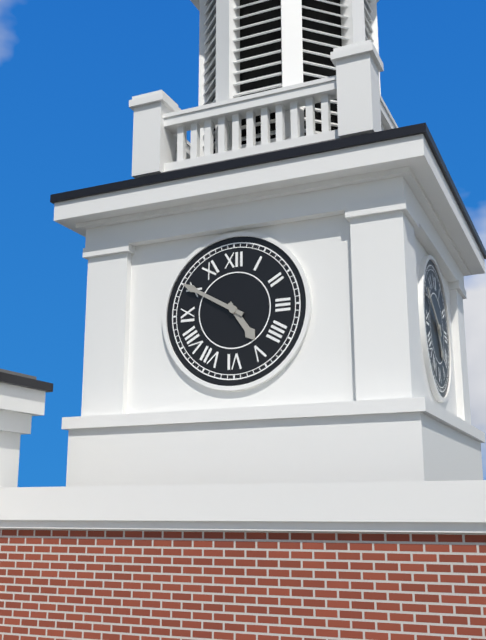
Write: 4,50
